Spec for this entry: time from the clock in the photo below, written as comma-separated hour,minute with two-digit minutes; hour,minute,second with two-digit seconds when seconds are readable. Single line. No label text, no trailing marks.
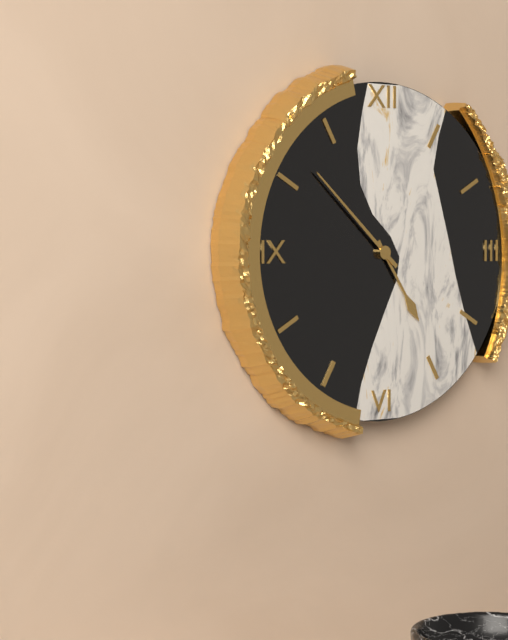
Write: 4,52
